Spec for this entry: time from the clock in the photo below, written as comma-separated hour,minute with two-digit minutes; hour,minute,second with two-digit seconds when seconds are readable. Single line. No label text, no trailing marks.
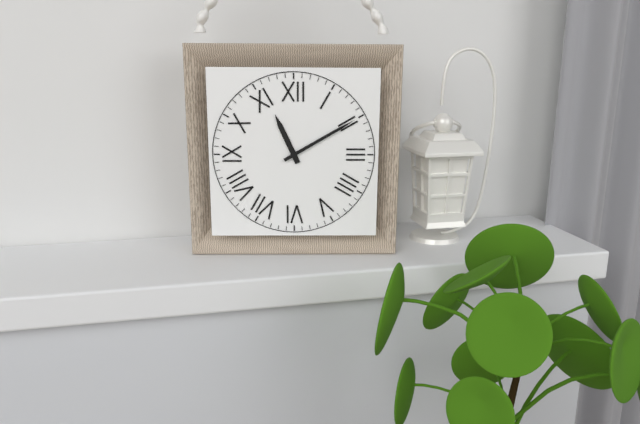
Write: 11,10
